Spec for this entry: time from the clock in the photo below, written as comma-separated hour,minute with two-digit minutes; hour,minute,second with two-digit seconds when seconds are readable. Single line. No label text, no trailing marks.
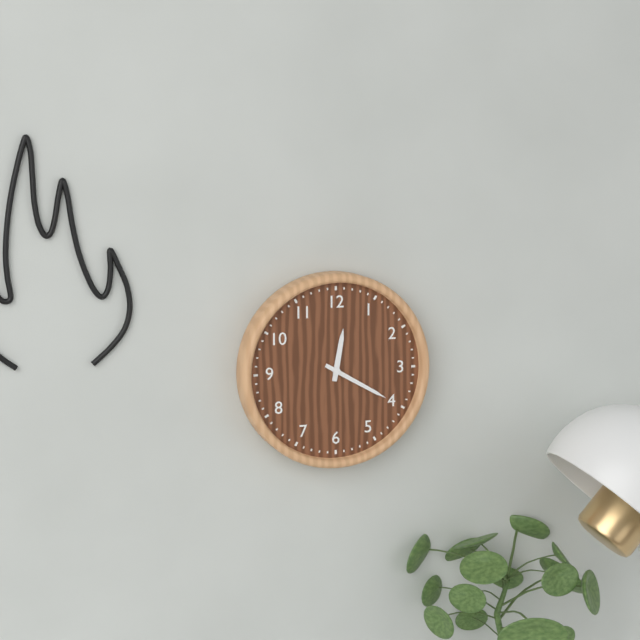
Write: 12,20
